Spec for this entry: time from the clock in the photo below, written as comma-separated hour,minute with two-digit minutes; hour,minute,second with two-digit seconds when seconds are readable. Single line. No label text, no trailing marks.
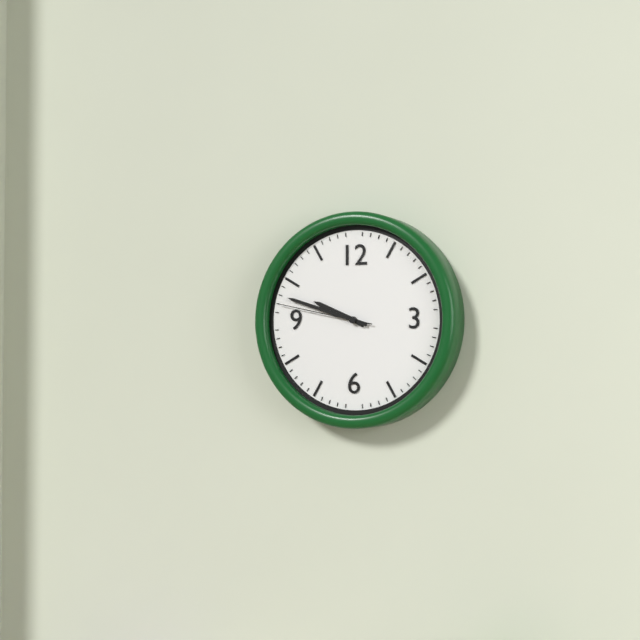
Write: 9,48,47
